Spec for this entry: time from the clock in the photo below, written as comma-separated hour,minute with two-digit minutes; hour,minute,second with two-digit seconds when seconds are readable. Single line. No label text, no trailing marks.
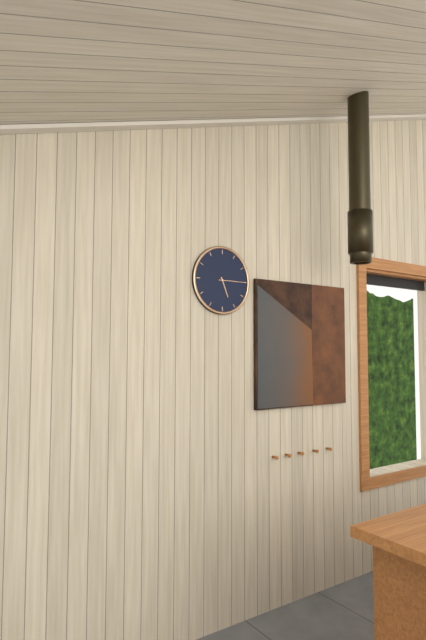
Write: 5,15
